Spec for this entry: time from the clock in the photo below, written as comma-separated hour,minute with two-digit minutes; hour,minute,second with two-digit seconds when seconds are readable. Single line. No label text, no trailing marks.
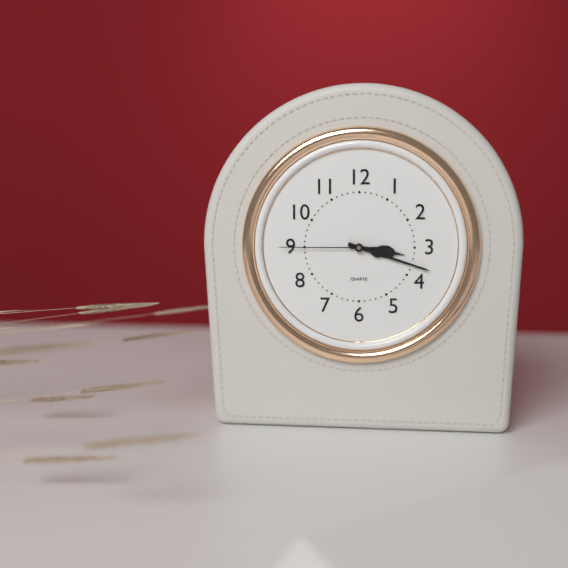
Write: 3,18,45
